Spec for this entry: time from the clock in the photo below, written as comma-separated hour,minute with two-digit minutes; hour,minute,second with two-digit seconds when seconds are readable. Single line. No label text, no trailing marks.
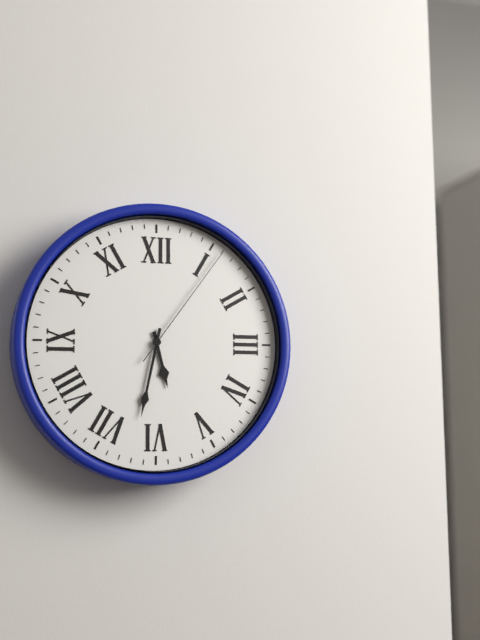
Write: 5,32,06
